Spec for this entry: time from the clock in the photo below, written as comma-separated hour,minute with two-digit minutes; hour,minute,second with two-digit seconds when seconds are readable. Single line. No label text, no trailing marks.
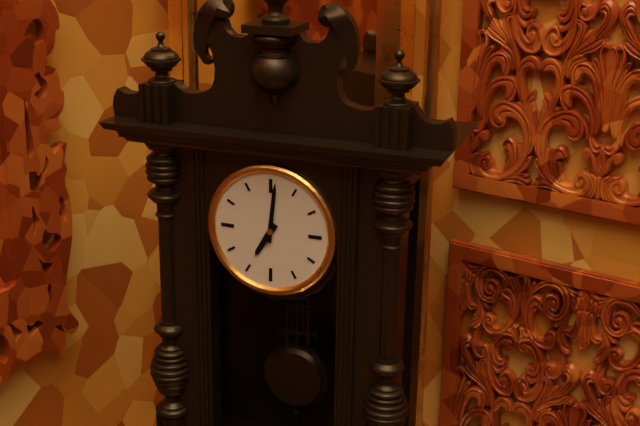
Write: 7,01
